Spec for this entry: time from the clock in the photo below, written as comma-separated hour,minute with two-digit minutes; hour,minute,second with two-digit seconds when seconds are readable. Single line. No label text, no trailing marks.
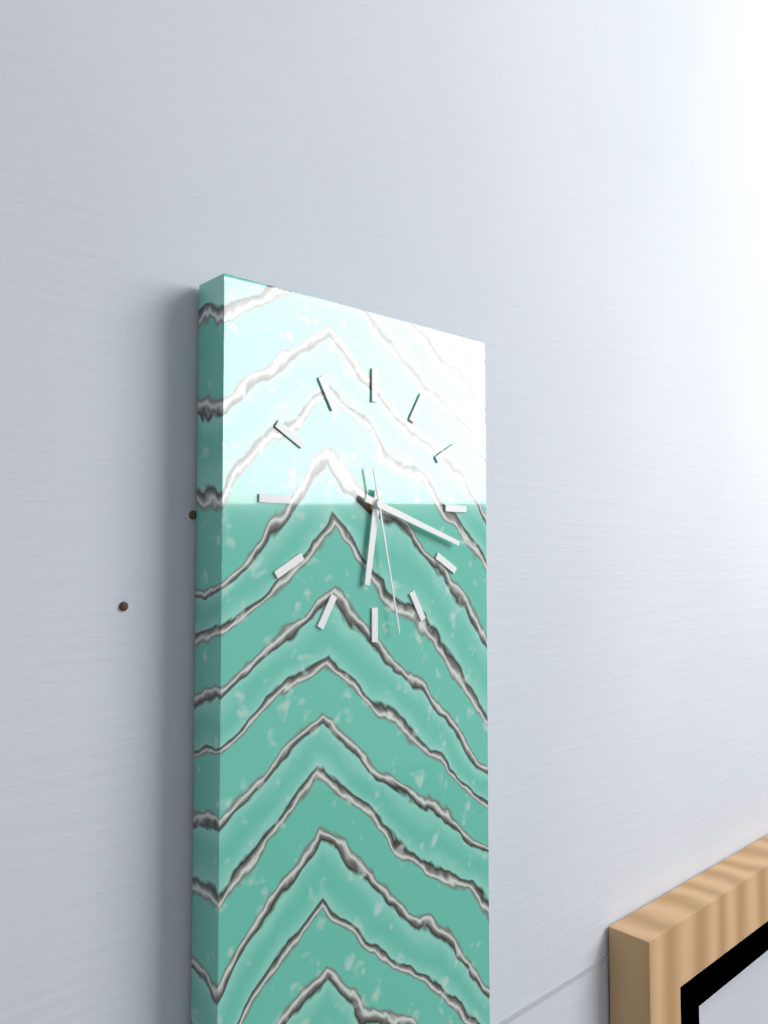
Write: 6,18,28
